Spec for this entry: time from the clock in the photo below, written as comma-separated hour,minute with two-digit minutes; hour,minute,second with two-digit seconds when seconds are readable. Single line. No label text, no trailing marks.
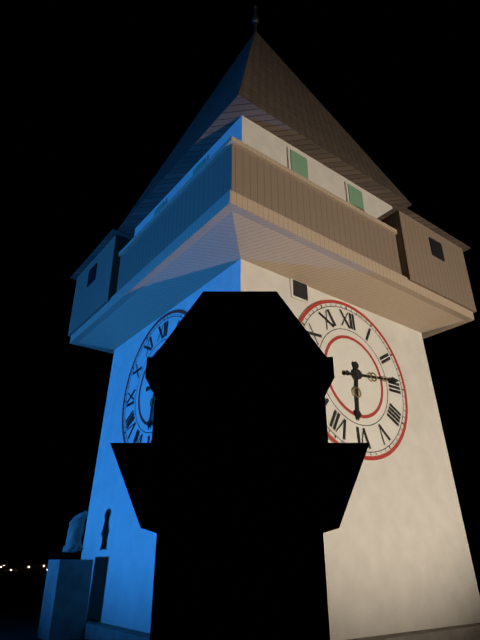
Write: 6,14
